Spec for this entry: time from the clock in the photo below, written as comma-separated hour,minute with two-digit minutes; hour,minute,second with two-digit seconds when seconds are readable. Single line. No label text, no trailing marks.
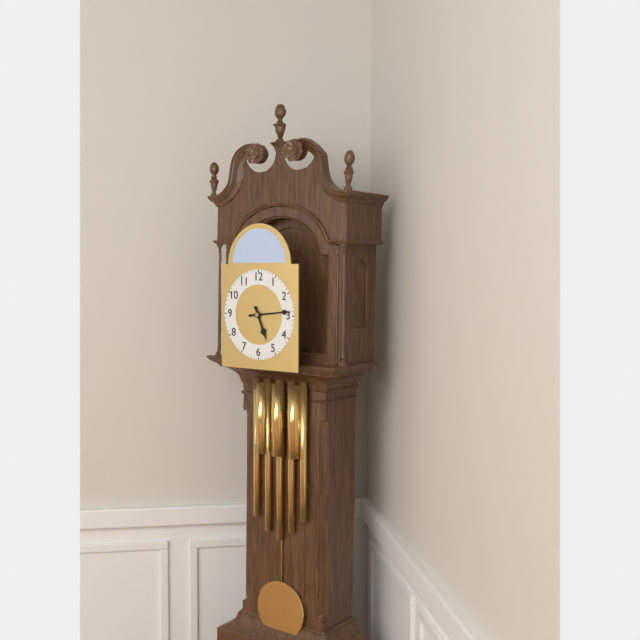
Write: 5,14
